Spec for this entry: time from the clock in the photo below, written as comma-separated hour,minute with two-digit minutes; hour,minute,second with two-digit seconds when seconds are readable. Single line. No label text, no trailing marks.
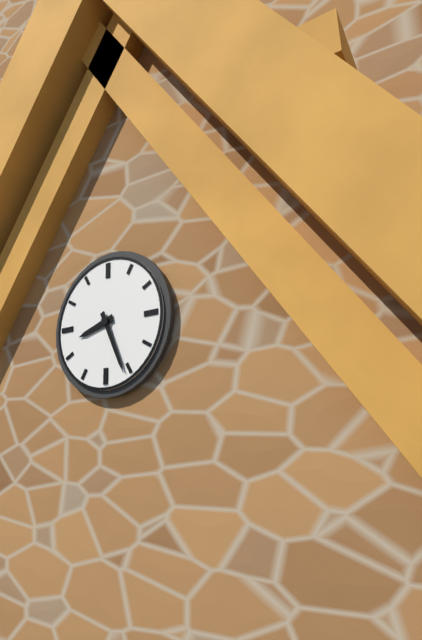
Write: 8,26
